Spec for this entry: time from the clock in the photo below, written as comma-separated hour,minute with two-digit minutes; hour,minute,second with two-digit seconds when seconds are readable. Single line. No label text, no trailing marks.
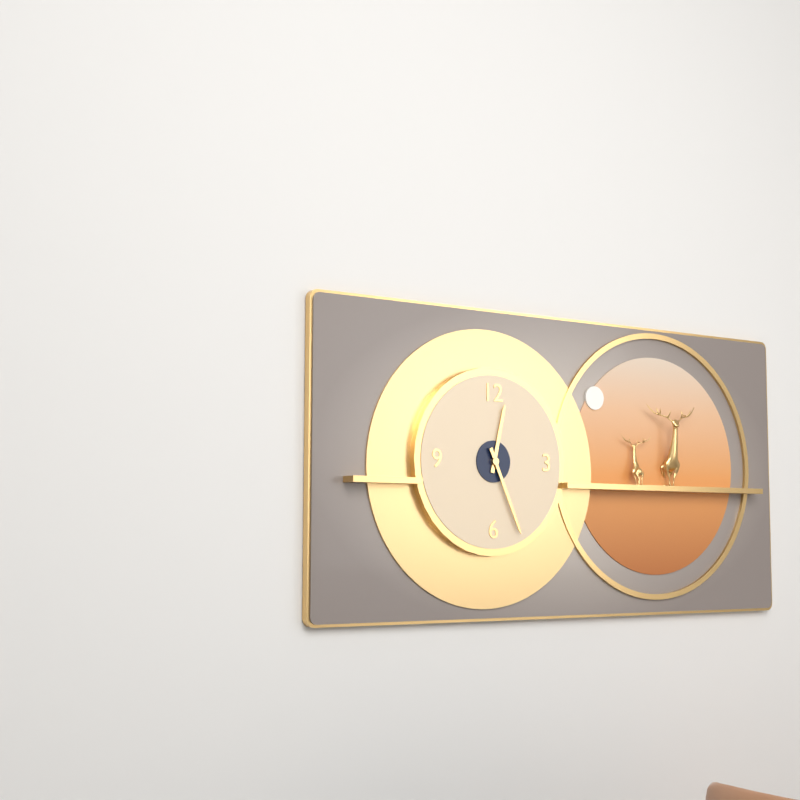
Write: 12,26
